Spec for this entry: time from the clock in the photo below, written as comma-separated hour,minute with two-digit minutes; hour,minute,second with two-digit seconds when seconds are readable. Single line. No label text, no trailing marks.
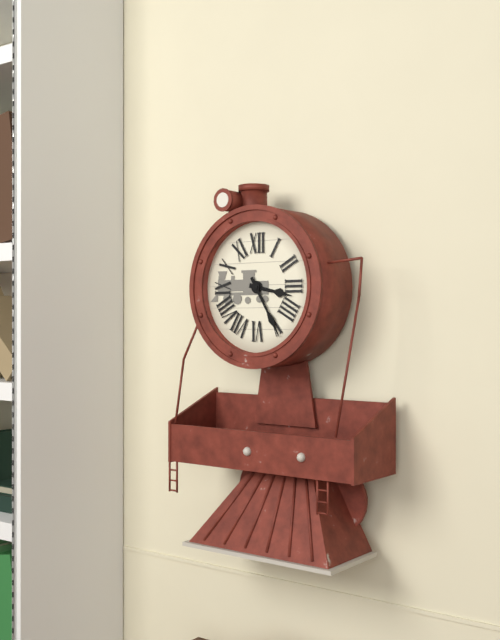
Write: 3,25
